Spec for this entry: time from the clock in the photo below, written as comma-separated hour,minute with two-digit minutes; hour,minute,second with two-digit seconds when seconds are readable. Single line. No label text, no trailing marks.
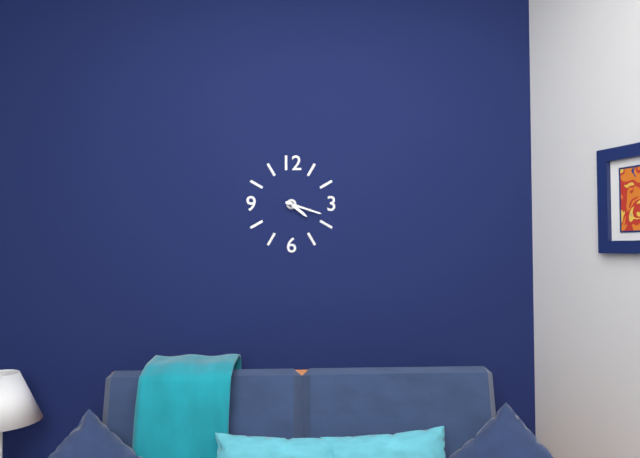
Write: 4,18
